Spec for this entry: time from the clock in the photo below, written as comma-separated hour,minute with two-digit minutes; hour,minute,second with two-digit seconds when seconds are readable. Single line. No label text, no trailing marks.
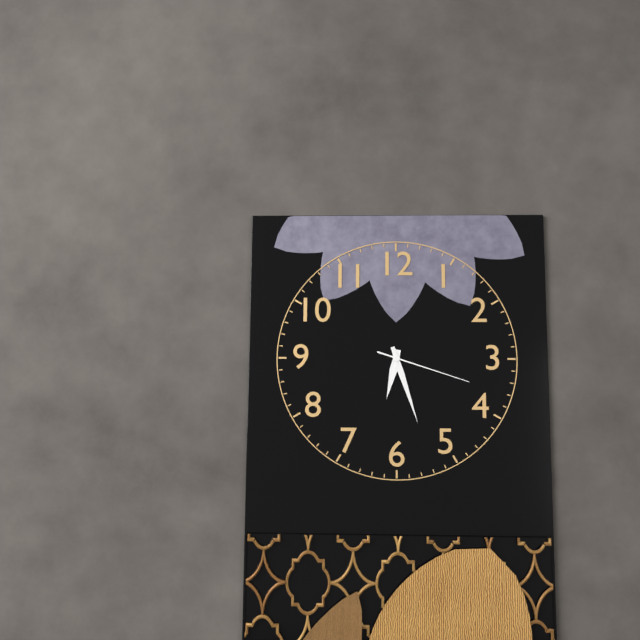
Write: 6,27,18
